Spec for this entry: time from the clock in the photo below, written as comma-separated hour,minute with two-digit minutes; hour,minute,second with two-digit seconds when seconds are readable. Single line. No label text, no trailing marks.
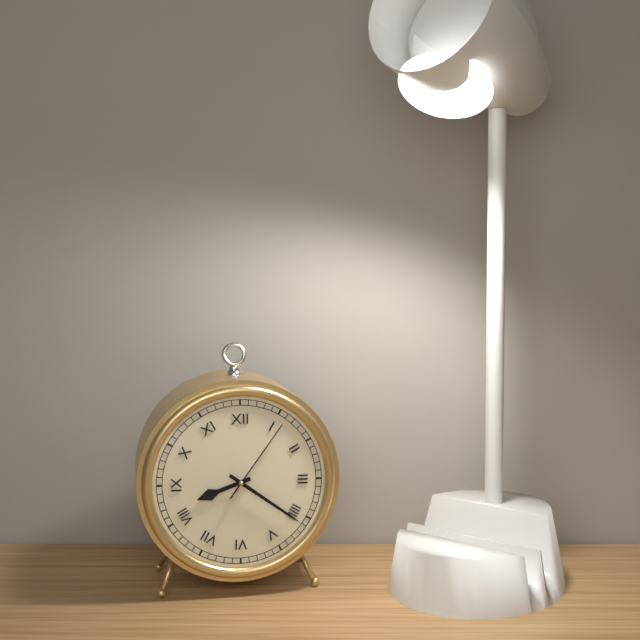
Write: 8,21,06
